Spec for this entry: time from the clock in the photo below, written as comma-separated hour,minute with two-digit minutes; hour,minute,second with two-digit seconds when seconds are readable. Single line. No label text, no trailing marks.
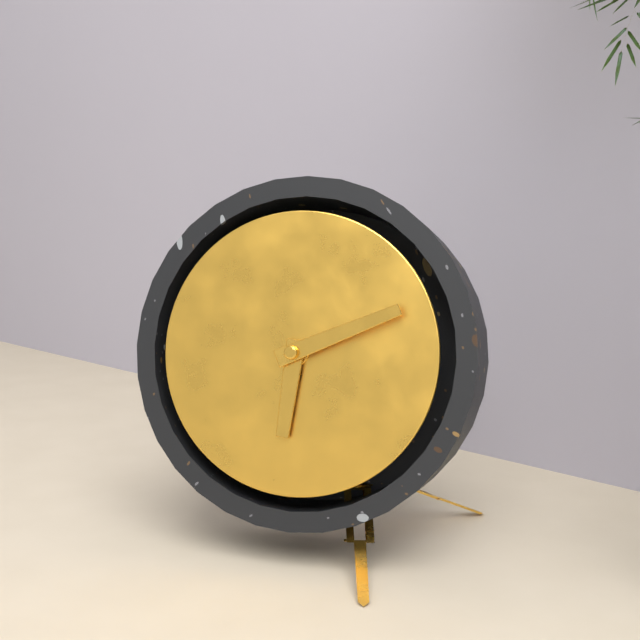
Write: 6,11
